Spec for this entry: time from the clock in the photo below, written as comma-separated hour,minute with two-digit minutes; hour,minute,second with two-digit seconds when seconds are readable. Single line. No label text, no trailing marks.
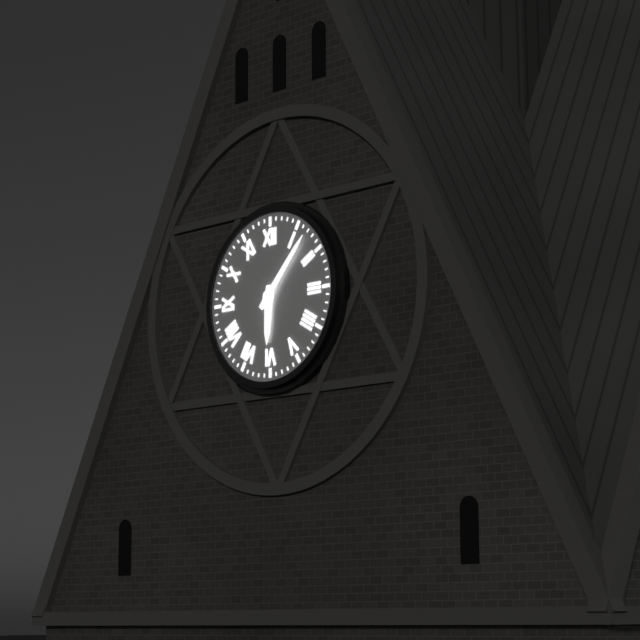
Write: 6,07
